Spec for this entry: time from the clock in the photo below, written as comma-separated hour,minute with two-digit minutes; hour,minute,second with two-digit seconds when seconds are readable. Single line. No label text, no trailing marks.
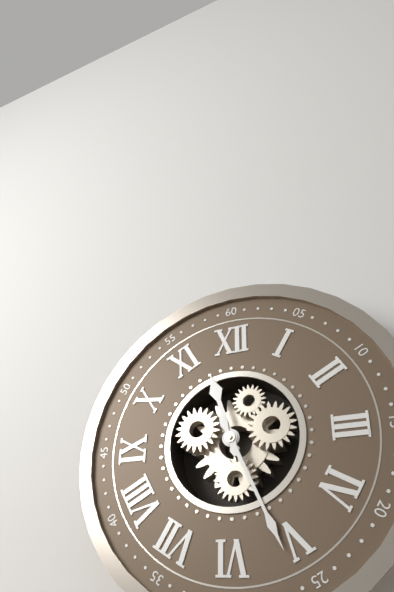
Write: 11,26
